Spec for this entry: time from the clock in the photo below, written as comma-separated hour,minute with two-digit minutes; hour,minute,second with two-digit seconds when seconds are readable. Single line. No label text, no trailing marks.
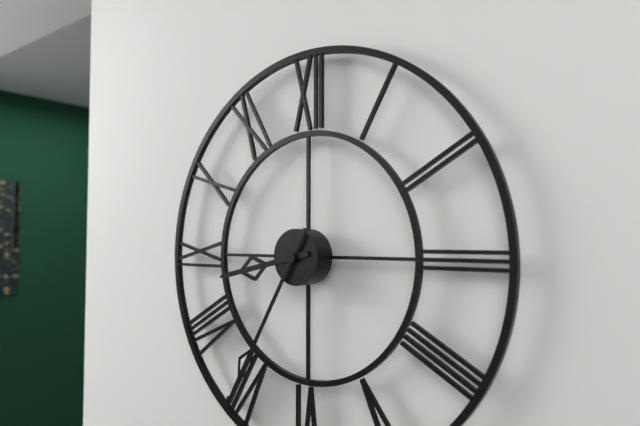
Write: 8,35
